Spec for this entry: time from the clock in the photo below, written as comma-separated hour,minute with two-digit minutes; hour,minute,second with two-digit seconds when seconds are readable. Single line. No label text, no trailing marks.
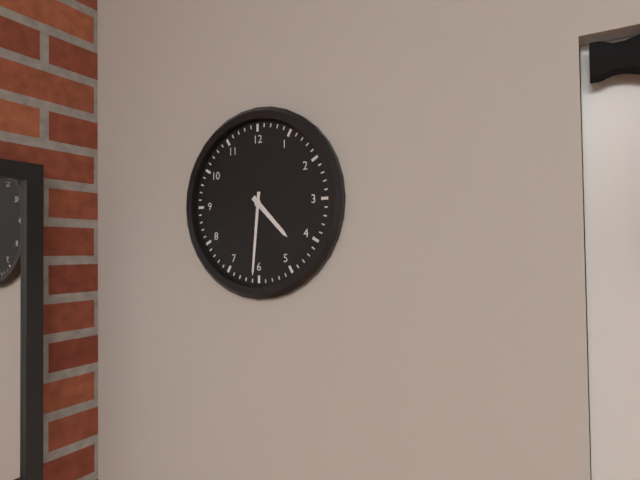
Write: 4,31
